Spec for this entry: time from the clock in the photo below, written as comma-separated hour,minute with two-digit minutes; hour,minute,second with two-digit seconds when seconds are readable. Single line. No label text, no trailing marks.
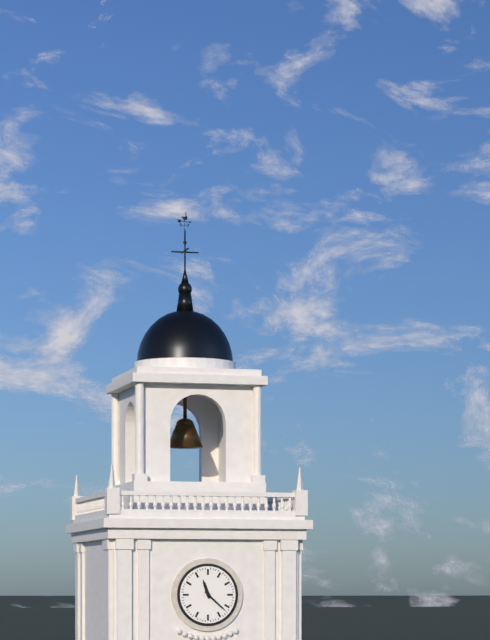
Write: 11,22
